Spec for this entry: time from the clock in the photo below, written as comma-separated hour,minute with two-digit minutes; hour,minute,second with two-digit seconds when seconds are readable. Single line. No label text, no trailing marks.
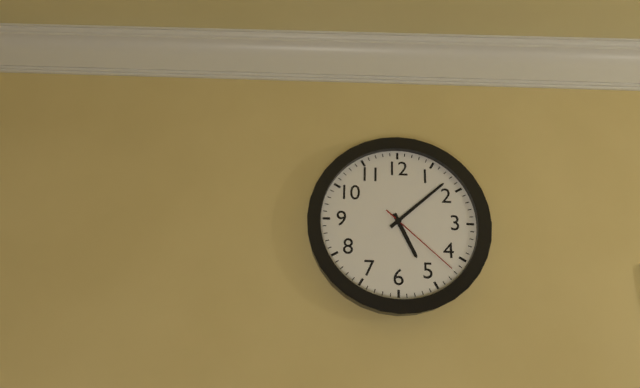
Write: 5,08,22
